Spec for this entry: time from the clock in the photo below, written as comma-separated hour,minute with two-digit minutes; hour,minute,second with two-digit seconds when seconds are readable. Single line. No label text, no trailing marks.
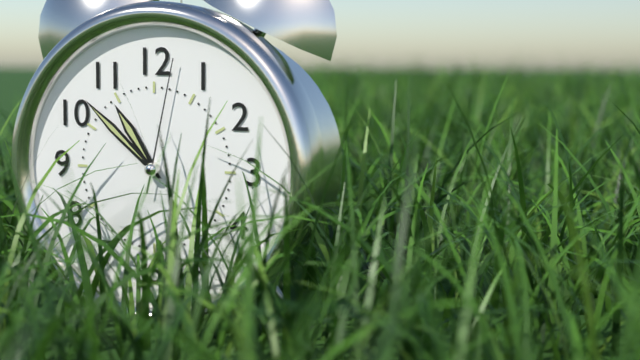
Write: 10,52,02
